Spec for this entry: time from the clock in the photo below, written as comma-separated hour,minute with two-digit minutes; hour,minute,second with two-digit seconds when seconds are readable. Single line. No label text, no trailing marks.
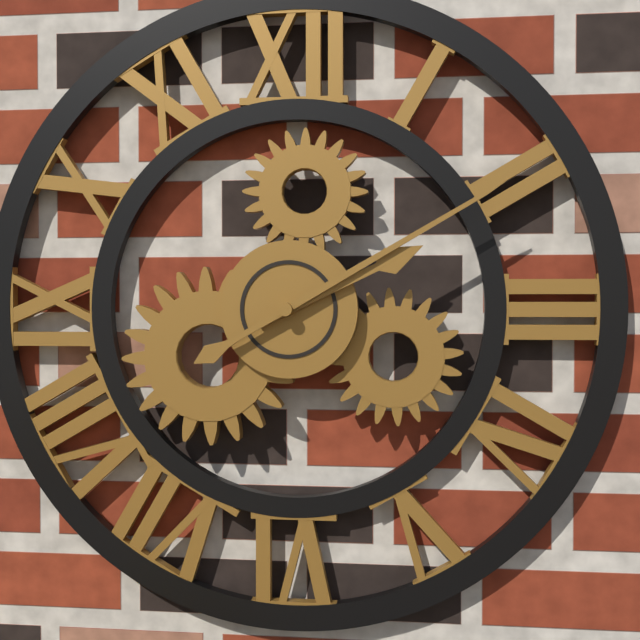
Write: 2,10
